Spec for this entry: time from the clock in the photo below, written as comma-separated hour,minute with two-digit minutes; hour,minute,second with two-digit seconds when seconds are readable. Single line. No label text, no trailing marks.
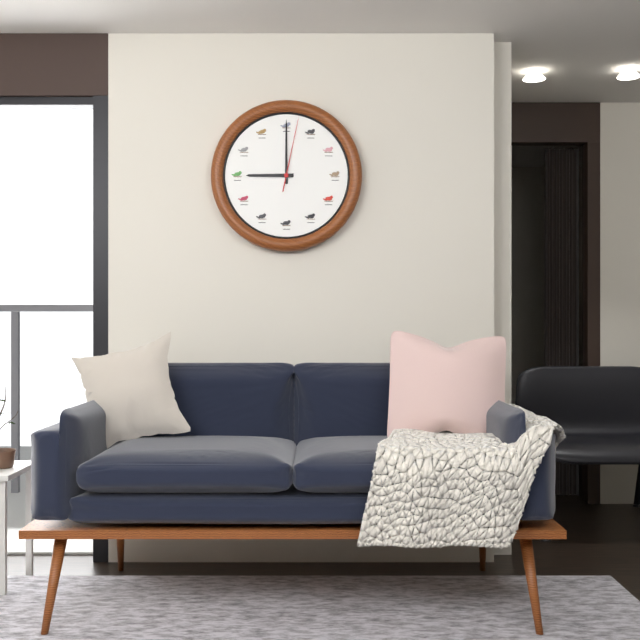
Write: 9,00,02
